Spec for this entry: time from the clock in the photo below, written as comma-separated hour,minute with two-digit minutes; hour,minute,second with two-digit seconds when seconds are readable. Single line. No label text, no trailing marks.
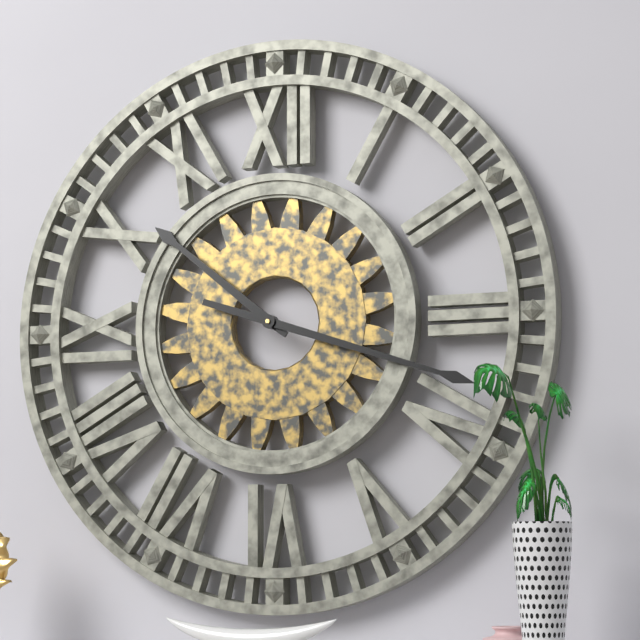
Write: 10,18
